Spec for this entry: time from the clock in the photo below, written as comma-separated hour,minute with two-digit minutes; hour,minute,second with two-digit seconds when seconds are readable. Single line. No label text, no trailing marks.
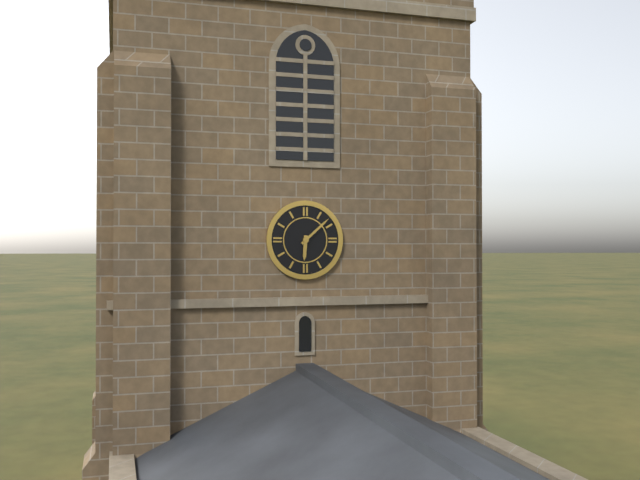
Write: 6,08
